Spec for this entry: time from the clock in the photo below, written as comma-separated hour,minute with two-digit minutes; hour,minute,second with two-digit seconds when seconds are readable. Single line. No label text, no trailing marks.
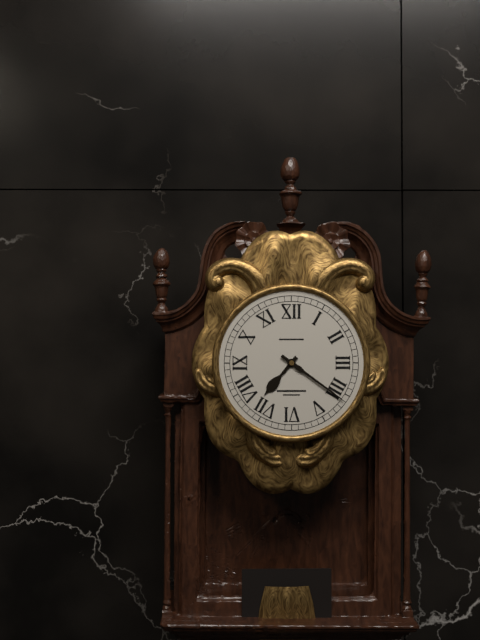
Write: 7,21
